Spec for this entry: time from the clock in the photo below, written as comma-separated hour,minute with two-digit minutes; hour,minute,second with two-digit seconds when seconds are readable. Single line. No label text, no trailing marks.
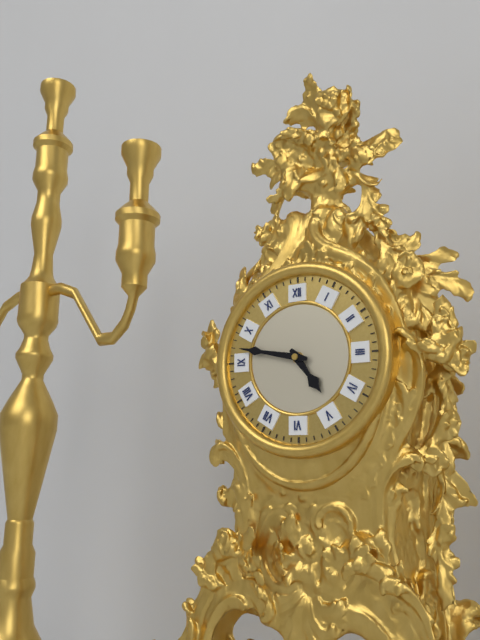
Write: 4,47
